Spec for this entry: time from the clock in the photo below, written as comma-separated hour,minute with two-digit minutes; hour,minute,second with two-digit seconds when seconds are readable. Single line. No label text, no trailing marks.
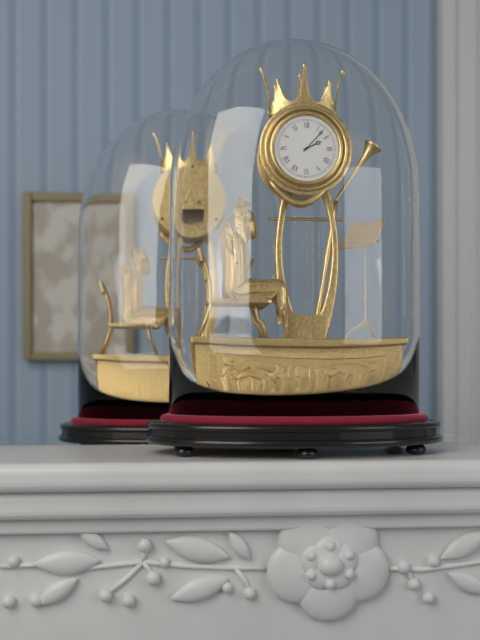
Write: 2,07
